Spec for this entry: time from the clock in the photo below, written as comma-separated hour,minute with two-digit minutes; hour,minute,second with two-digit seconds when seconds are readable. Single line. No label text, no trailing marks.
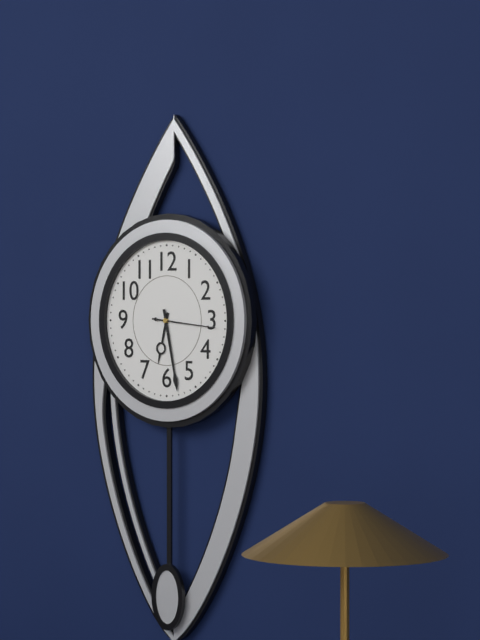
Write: 6,28,16
